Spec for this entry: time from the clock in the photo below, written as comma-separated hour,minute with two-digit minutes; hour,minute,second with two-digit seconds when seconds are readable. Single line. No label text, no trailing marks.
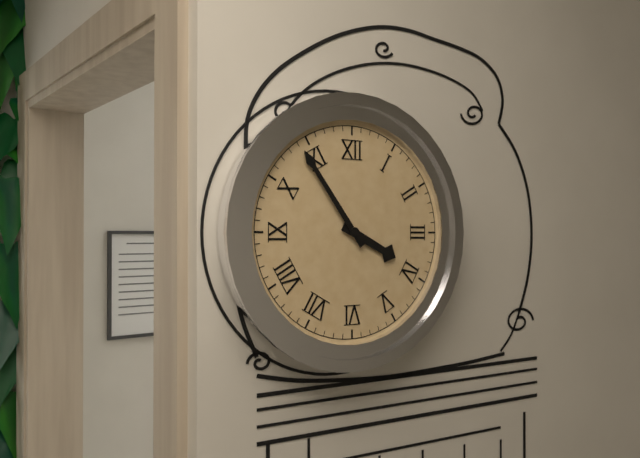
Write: 3,54
